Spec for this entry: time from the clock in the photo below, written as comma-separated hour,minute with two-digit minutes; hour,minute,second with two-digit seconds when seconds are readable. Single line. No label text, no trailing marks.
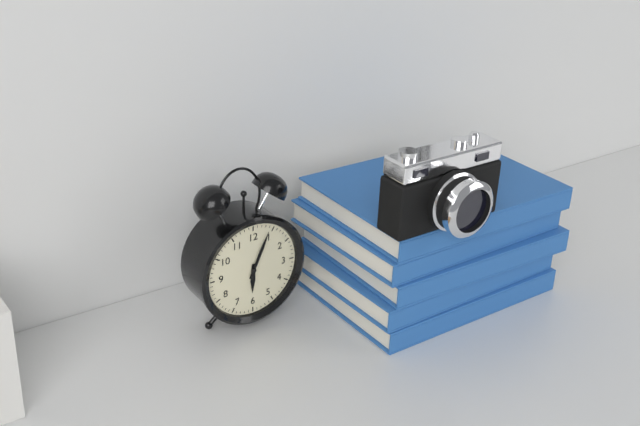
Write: 6,04
